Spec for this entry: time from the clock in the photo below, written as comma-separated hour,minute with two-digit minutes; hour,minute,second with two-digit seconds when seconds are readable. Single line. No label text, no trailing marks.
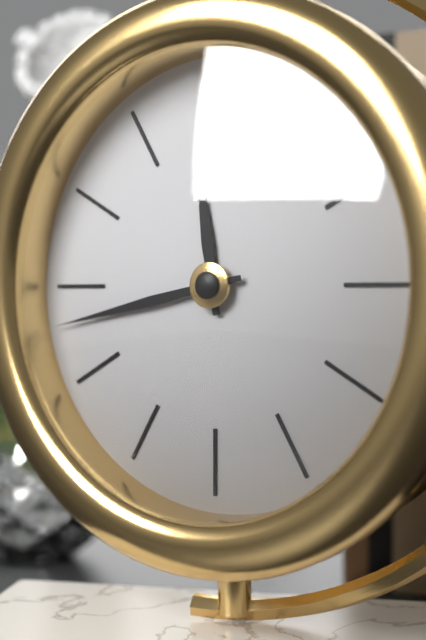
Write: 11,43
